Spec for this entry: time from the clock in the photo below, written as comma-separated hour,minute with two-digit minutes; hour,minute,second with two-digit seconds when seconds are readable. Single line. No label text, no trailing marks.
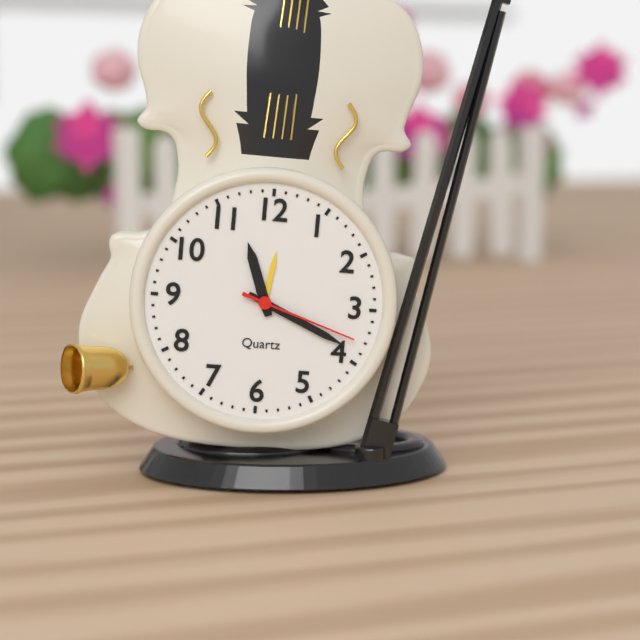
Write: 11,19,18
